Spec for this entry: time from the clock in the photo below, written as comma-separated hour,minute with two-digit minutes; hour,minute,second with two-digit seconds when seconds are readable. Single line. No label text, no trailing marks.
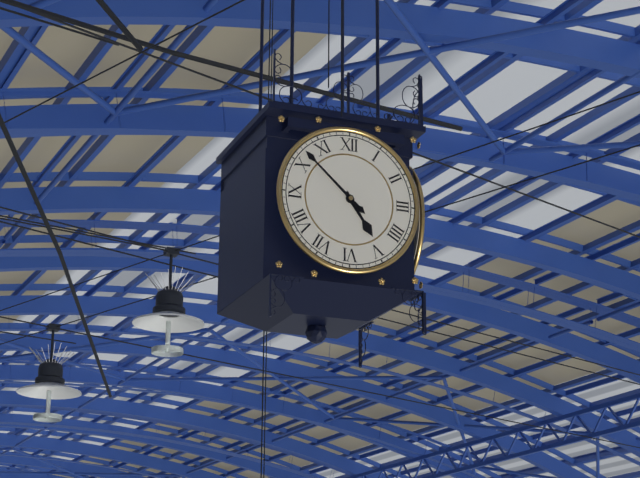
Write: 4,52
